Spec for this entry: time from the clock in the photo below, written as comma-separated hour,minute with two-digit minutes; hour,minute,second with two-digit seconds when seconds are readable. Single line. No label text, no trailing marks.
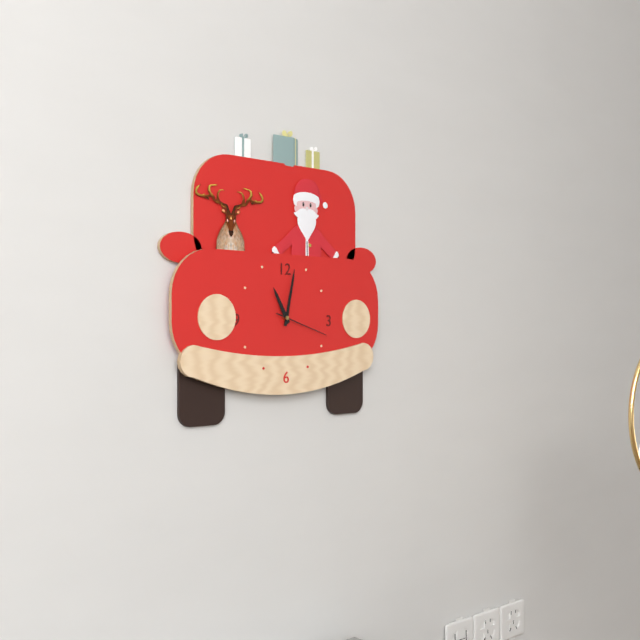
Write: 11,02,18
